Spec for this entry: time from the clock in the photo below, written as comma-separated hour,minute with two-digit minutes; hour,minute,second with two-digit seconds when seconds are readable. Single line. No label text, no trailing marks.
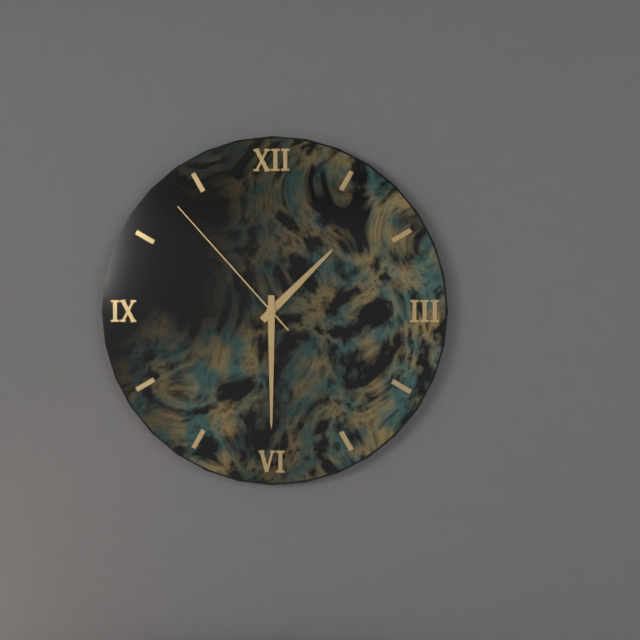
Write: 1,30,53
